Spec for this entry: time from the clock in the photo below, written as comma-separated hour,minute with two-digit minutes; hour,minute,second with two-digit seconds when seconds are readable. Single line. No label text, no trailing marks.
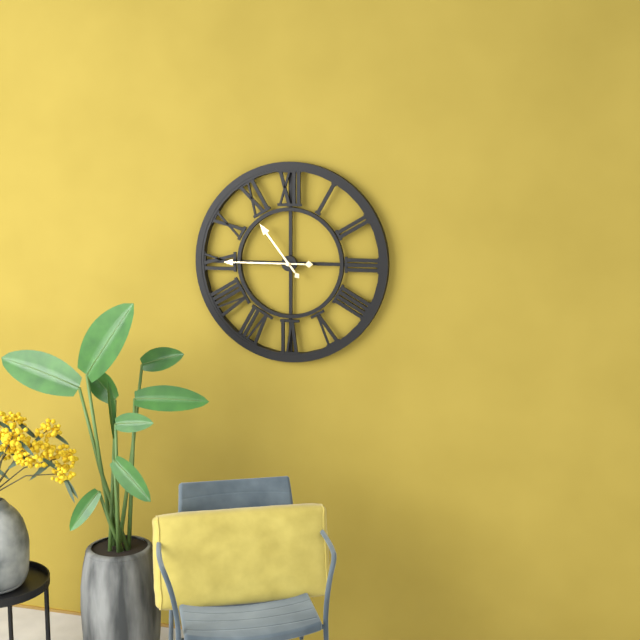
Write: 10,45
